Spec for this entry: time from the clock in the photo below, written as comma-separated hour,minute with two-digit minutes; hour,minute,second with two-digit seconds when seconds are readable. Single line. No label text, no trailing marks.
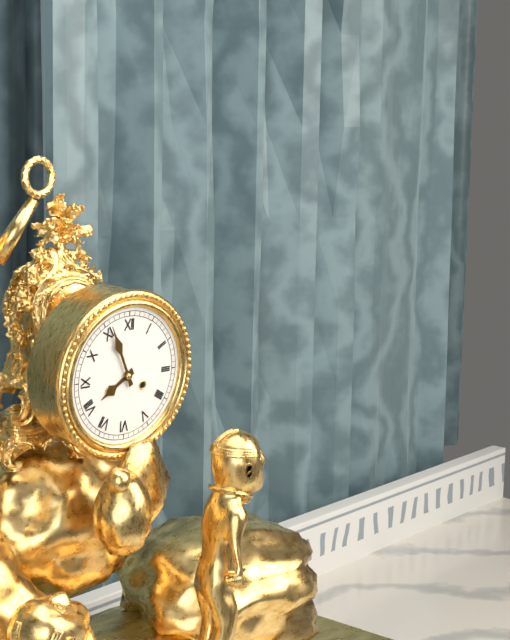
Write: 7,56
